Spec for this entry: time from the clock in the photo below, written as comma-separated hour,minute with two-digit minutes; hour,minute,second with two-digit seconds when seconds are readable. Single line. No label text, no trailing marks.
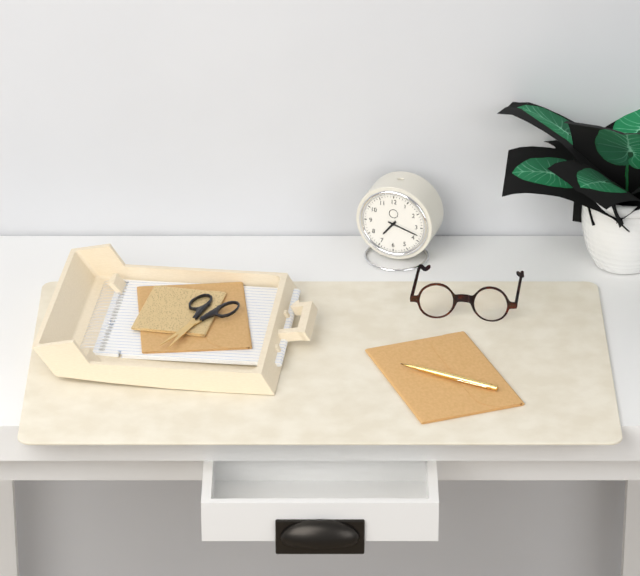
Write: 7,18
